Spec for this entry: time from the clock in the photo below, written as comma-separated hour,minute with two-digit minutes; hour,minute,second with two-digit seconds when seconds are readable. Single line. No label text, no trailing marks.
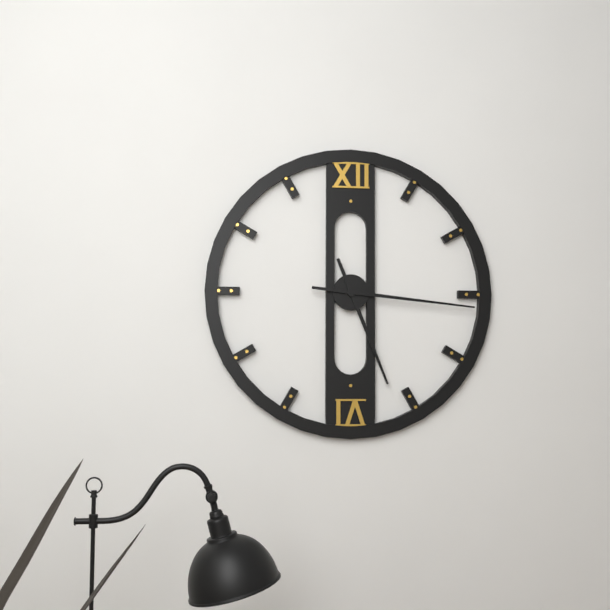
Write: 5,16
